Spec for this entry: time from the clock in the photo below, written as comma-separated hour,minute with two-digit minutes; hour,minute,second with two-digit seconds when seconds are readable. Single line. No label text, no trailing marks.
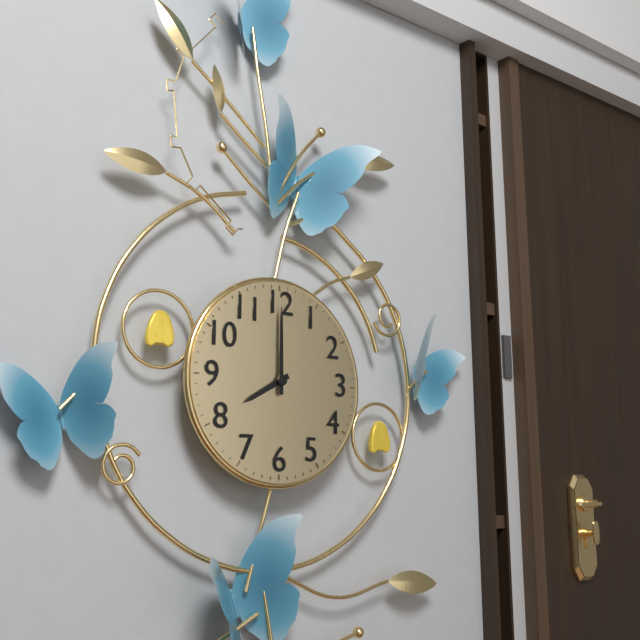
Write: 8,00
